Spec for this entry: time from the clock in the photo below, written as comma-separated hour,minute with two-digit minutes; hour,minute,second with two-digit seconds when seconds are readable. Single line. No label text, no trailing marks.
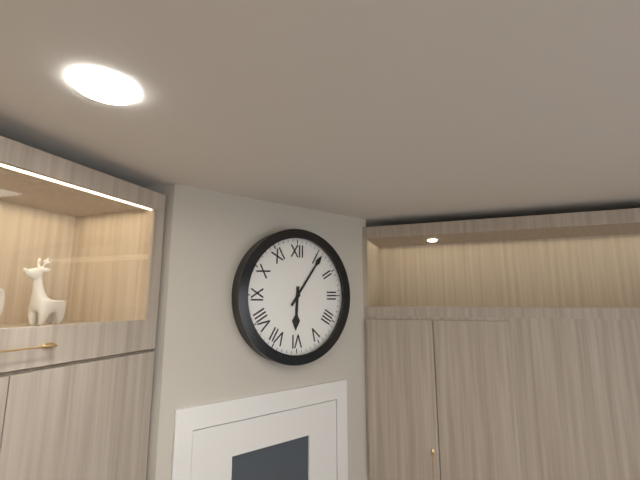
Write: 6,06
